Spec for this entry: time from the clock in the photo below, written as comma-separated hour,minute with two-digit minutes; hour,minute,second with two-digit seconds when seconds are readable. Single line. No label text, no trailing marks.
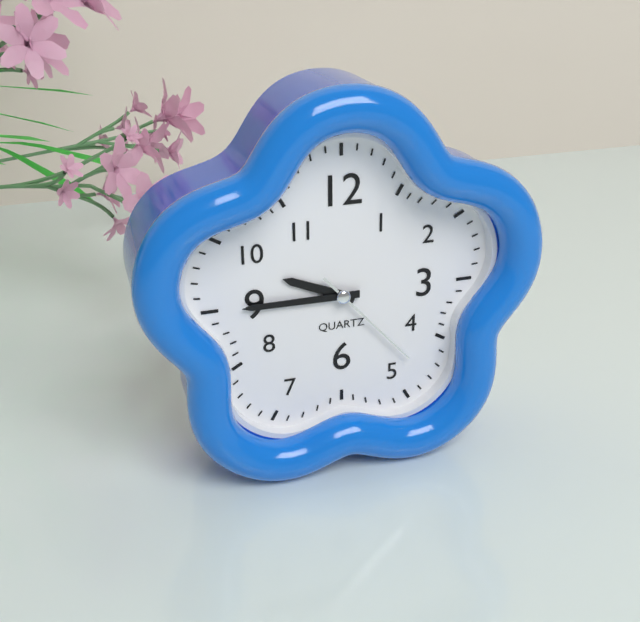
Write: 9,45,23
